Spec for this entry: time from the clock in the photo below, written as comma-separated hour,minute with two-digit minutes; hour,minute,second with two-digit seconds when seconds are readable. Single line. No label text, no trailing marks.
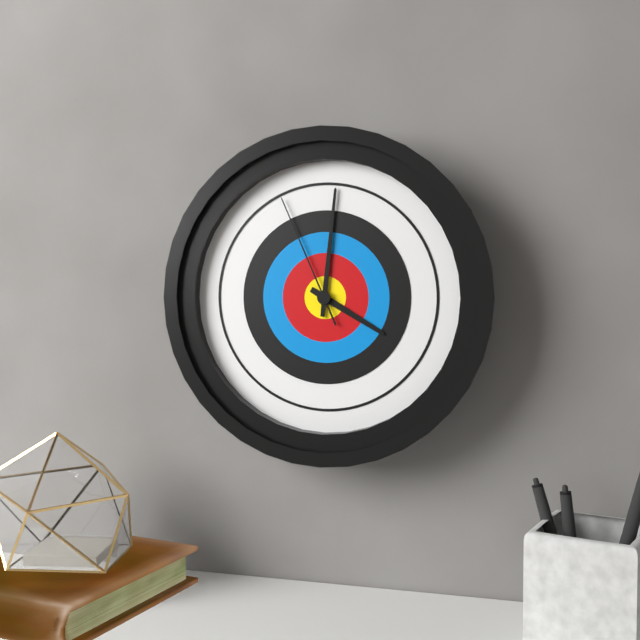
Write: 4,01,56
